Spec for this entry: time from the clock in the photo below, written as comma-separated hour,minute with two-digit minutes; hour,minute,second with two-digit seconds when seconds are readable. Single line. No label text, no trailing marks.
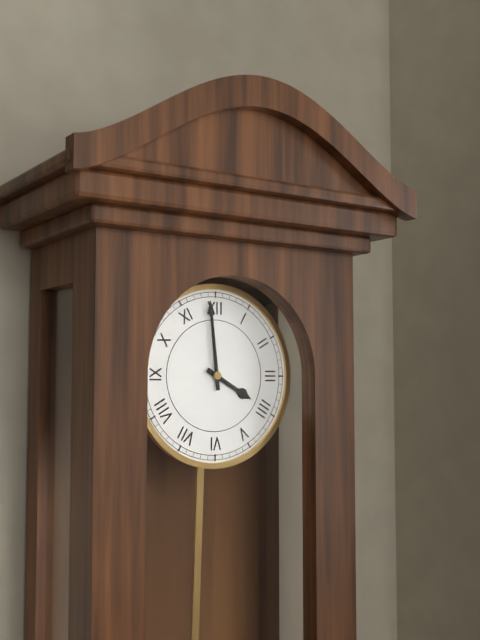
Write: 3,59
